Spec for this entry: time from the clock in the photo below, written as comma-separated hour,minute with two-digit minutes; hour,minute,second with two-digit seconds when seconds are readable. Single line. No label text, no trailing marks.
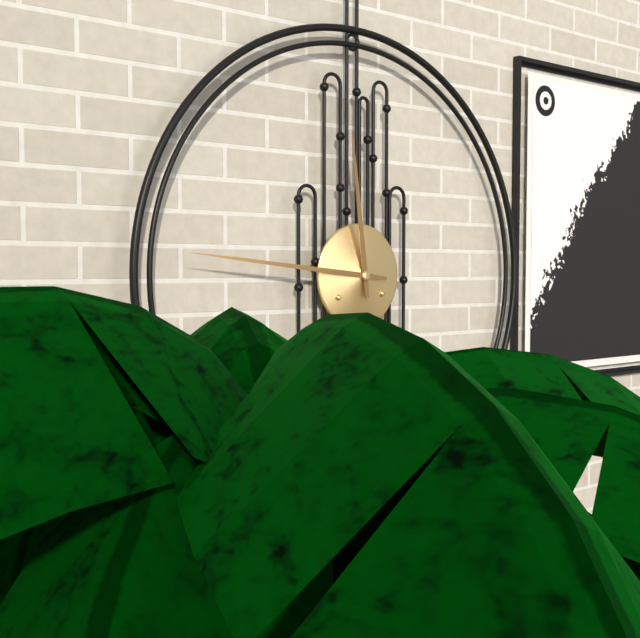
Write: 11,46
